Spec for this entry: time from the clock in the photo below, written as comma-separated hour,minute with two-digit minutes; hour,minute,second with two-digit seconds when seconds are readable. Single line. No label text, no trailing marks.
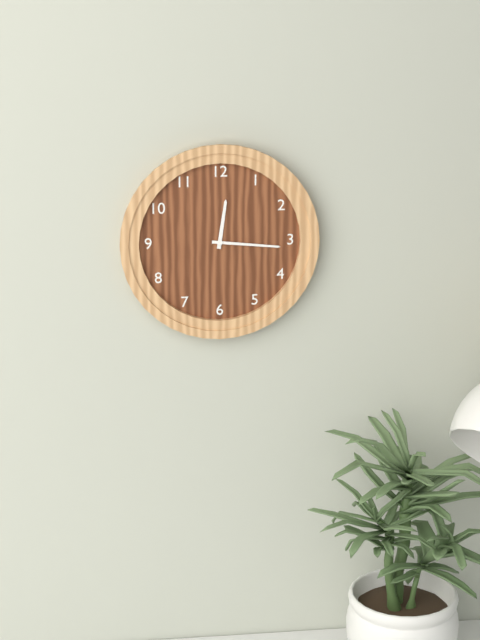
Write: 12,16
